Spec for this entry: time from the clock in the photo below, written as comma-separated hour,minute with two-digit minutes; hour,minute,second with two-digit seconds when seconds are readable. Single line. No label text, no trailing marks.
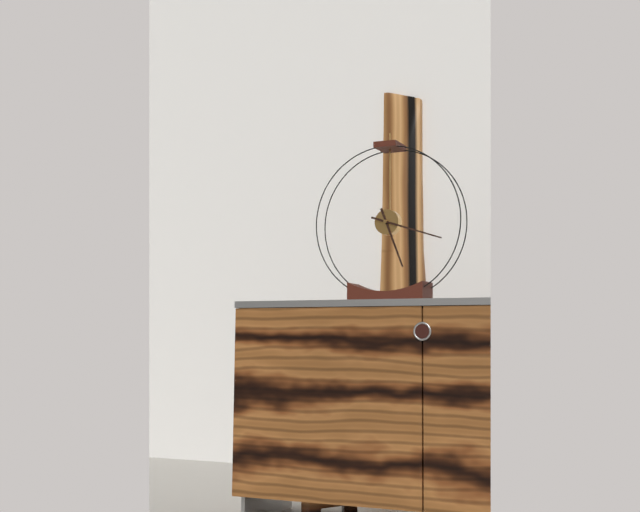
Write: 5,18
